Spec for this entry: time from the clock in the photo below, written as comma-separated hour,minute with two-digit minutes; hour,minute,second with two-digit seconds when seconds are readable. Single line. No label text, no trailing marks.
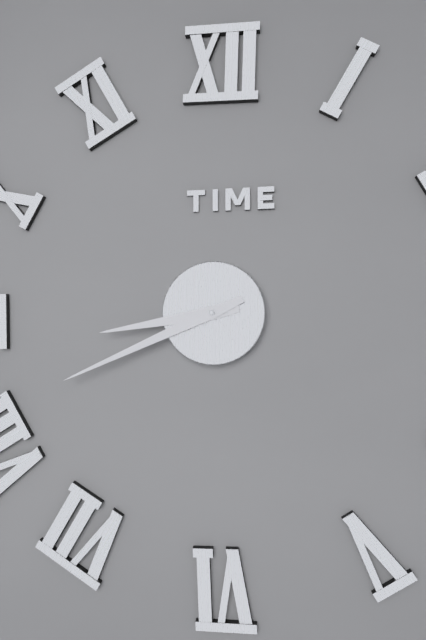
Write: 8,41
